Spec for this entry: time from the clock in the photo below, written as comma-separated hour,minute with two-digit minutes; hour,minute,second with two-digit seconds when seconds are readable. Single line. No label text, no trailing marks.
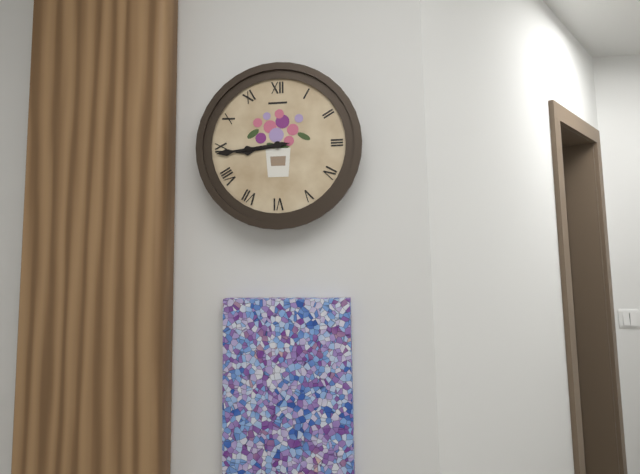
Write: 8,44
